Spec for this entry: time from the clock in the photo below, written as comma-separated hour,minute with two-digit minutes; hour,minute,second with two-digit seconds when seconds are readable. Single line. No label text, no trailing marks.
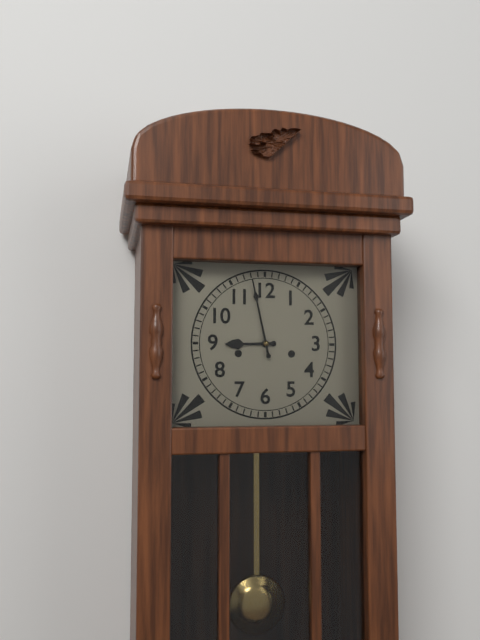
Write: 8,58
